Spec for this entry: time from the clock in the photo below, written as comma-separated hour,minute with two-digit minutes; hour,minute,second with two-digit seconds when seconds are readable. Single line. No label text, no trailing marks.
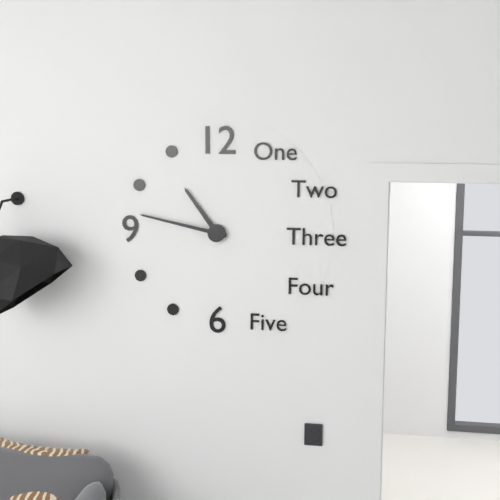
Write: 10,47
